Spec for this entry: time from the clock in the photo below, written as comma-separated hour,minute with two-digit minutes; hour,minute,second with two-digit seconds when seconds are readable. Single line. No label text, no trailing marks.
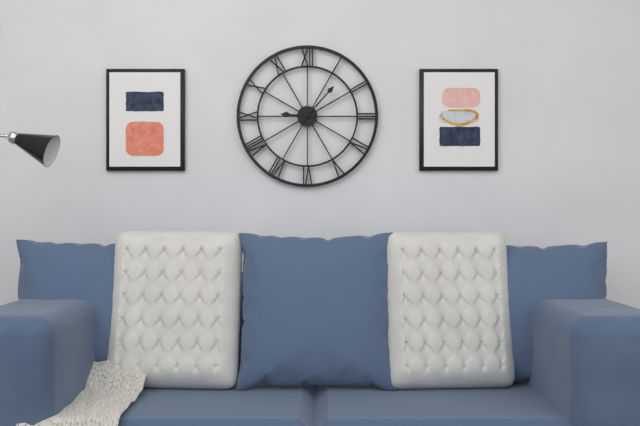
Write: 9,07
